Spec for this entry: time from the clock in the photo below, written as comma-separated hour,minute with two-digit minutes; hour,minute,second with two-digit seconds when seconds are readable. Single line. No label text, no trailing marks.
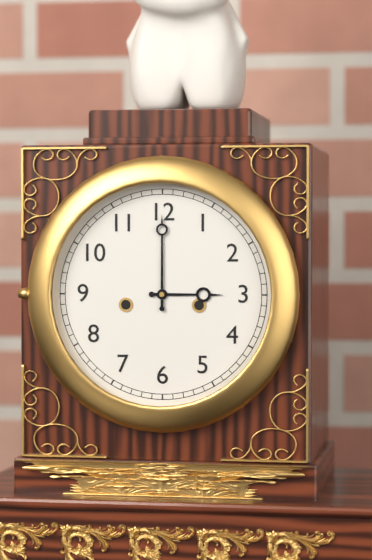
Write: 3,00
